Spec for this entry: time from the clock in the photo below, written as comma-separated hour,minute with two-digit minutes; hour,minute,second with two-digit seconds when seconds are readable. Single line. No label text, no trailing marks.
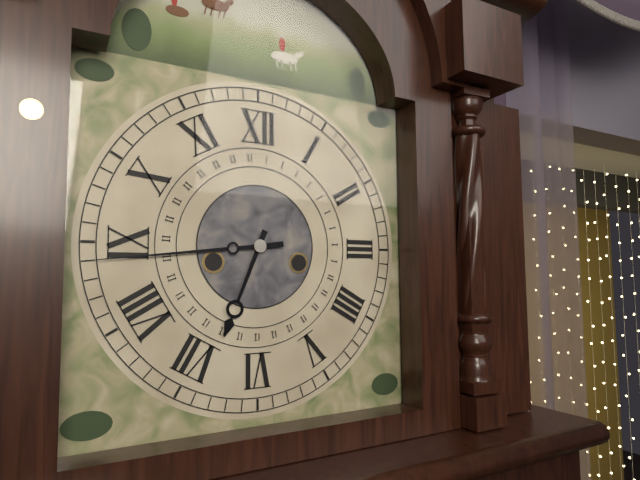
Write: 6,44
